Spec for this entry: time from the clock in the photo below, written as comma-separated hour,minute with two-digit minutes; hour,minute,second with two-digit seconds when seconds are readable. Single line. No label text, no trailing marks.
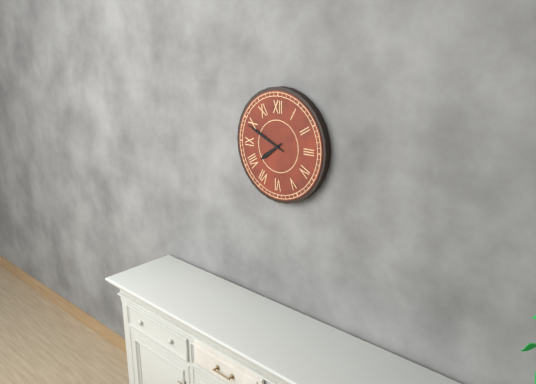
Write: 7,49
